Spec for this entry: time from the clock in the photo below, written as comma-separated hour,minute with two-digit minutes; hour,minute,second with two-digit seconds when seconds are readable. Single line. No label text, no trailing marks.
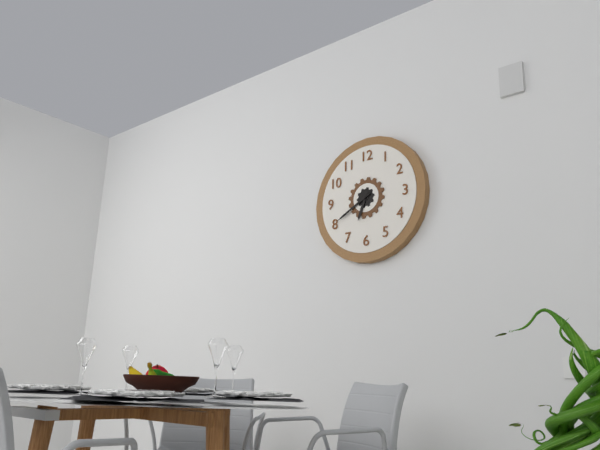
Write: 6,40
